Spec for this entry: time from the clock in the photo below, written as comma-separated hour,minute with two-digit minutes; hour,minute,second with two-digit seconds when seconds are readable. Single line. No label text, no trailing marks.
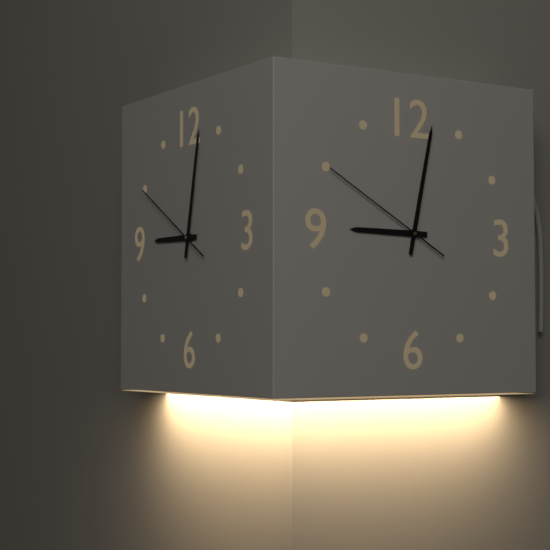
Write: 9,02,50
